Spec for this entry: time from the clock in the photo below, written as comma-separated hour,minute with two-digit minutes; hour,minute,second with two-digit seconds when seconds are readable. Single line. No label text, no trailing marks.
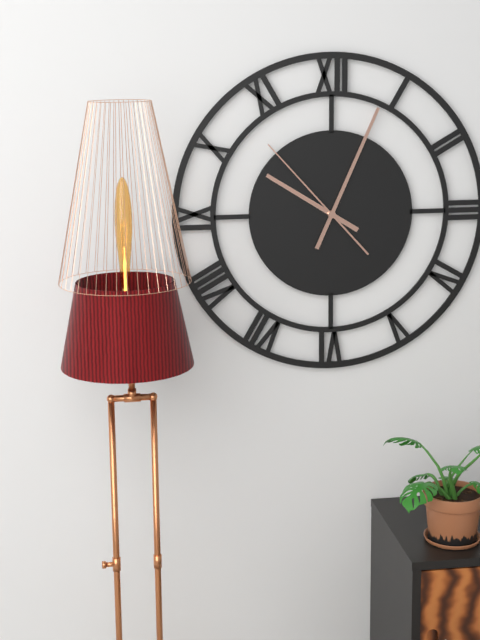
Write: 10,04,53
